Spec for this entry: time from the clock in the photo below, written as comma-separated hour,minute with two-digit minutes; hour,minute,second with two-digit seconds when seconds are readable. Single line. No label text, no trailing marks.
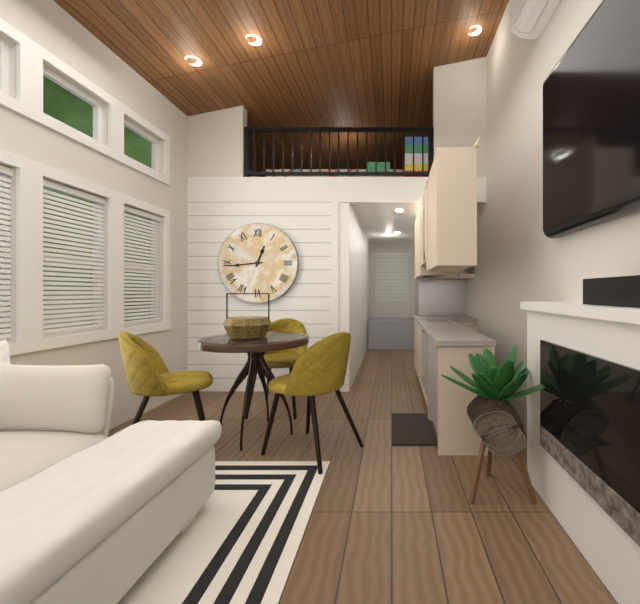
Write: 12,44
